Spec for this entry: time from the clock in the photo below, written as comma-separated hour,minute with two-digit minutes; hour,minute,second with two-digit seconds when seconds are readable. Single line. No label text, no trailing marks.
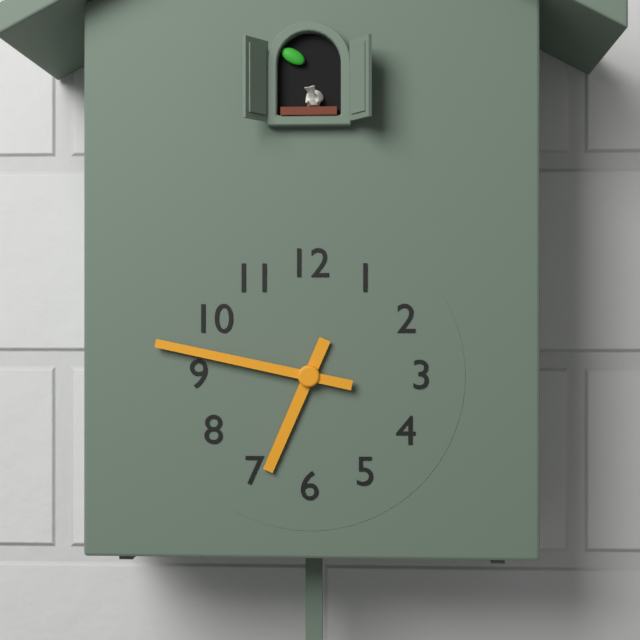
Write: 6,47
